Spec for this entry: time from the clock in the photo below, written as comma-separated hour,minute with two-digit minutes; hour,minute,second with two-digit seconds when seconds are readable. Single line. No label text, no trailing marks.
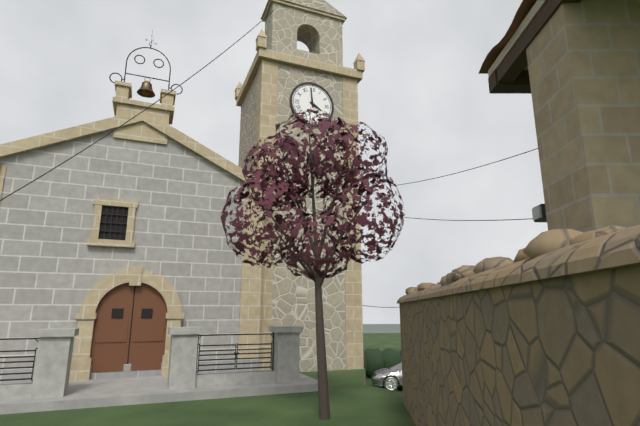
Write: 3,59
